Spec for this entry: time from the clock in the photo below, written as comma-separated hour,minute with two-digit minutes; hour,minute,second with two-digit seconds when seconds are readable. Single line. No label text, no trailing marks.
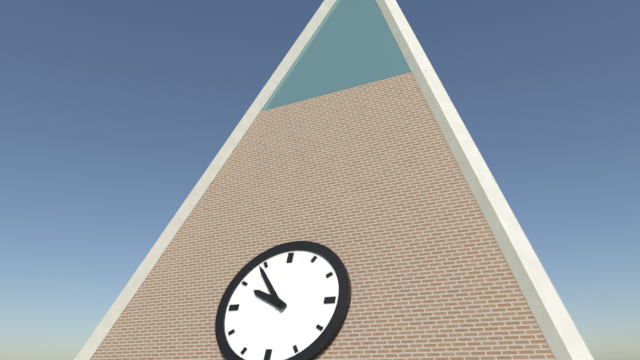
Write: 9,54
